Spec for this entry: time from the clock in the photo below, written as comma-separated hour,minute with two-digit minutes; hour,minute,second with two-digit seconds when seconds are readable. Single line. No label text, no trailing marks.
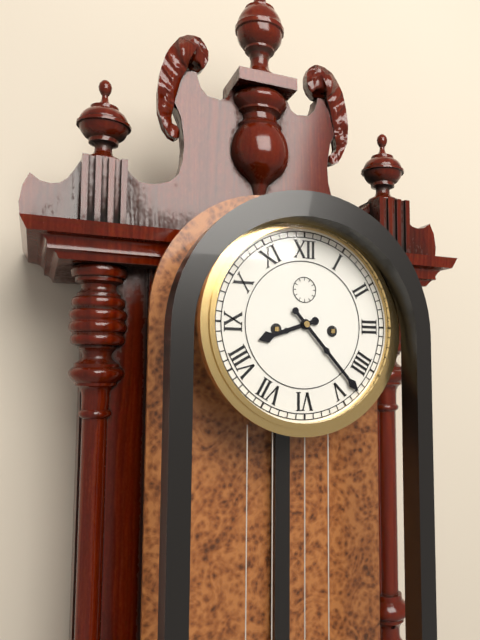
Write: 8,23
